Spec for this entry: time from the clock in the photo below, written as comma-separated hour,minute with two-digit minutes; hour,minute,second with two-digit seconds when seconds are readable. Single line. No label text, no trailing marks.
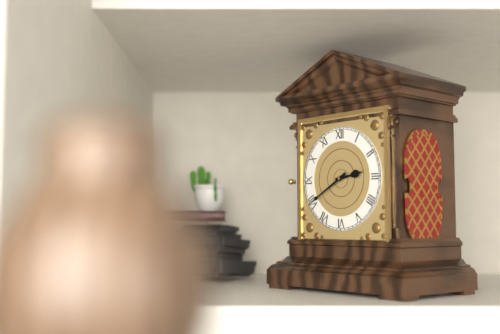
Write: 2,40
